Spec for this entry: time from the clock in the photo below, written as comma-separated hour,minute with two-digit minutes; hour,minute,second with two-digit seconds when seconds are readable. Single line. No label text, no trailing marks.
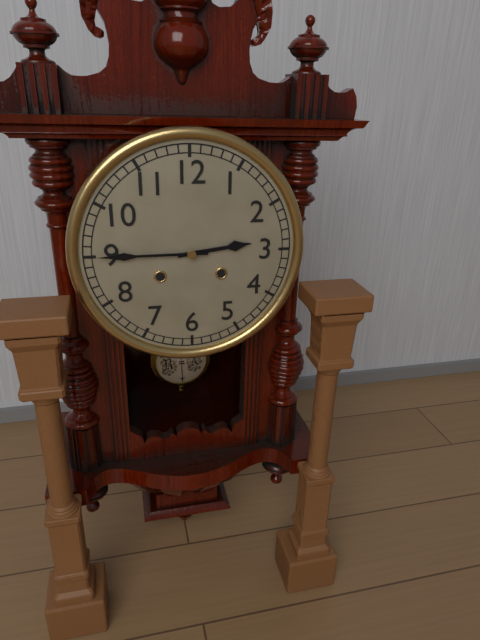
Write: 2,45
